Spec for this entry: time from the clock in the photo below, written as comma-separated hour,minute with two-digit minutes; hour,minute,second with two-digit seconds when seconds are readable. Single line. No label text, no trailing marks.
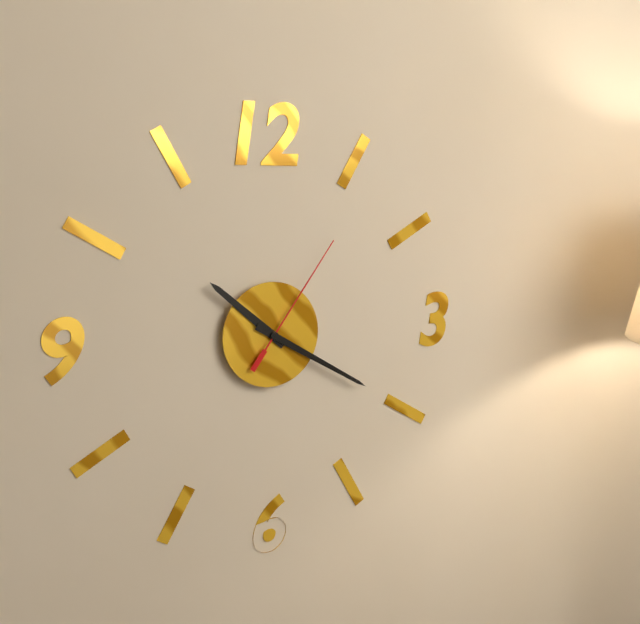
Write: 10,20,06
